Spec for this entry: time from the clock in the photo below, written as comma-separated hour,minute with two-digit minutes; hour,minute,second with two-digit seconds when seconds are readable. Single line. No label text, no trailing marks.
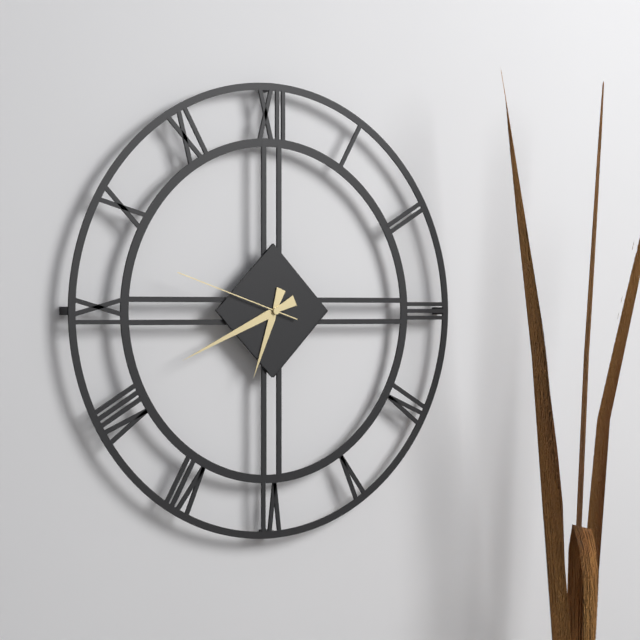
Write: 6,41,48
